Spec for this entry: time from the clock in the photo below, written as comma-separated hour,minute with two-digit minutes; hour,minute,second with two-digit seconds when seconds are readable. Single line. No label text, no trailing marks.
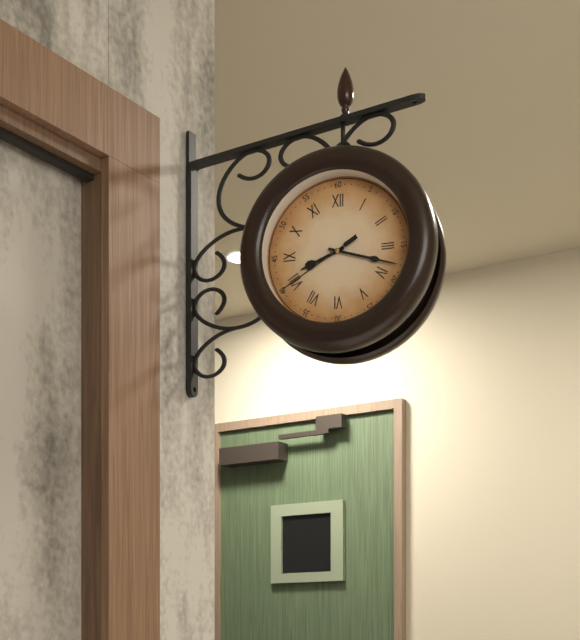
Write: 8,18,40
